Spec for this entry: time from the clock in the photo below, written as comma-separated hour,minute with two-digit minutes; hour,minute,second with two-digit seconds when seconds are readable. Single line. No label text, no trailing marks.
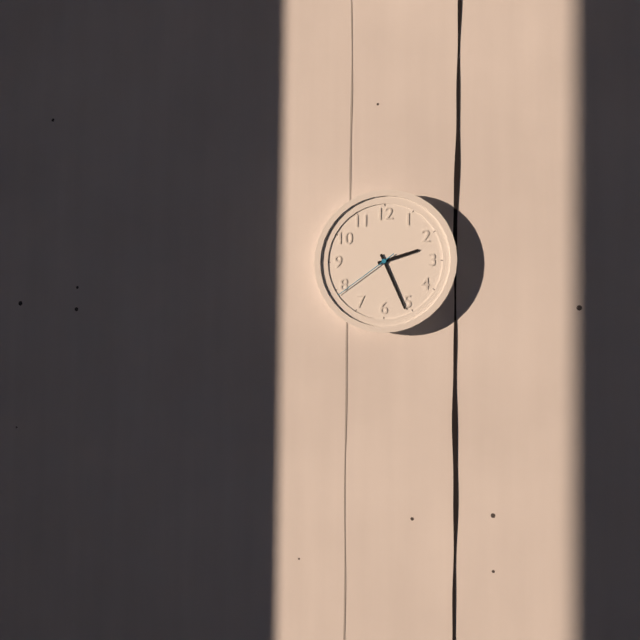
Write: 2,26,39
